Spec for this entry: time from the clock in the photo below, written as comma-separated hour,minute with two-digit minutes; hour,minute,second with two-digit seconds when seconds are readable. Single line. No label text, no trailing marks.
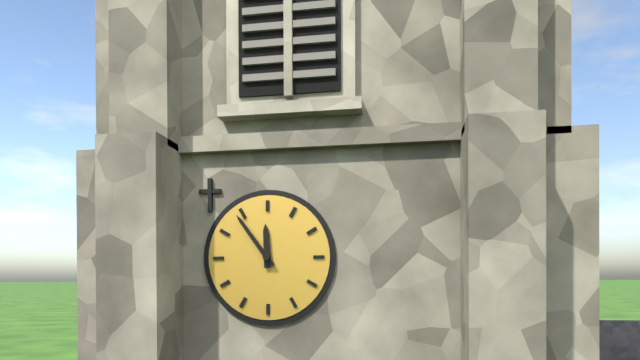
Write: 11,54
